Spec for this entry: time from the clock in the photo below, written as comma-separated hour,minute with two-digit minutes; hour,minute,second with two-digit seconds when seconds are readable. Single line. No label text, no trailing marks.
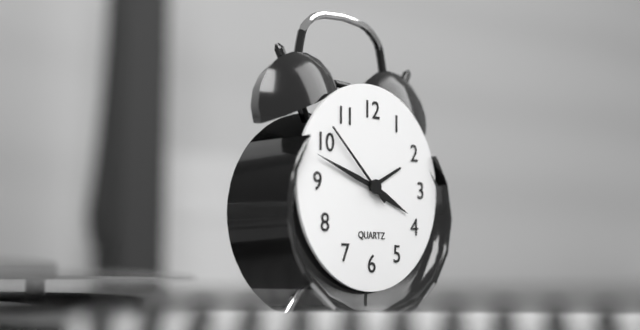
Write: 3,48,52
